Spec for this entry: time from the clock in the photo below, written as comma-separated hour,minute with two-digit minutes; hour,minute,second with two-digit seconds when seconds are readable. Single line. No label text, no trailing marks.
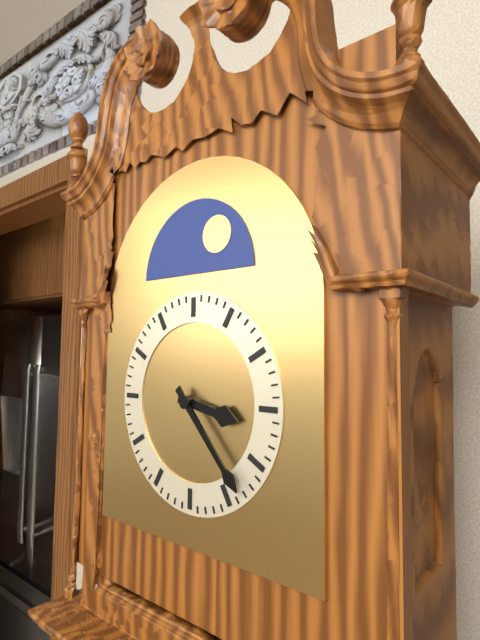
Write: 3,23
